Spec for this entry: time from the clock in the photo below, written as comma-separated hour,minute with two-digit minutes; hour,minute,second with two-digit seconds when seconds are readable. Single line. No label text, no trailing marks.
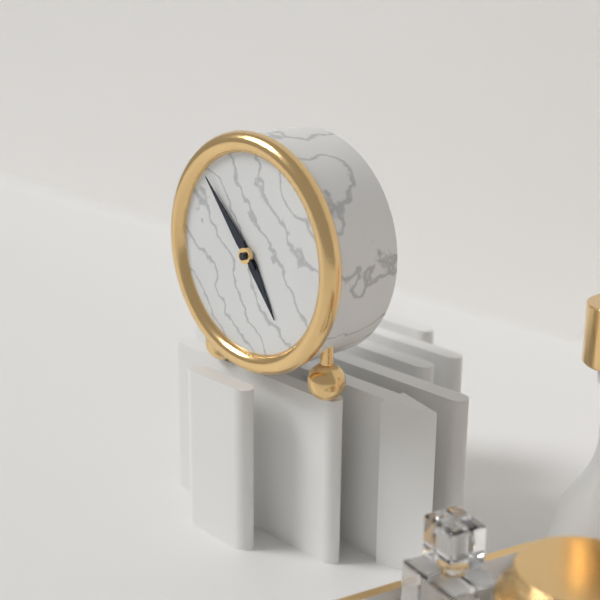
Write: 4,53
